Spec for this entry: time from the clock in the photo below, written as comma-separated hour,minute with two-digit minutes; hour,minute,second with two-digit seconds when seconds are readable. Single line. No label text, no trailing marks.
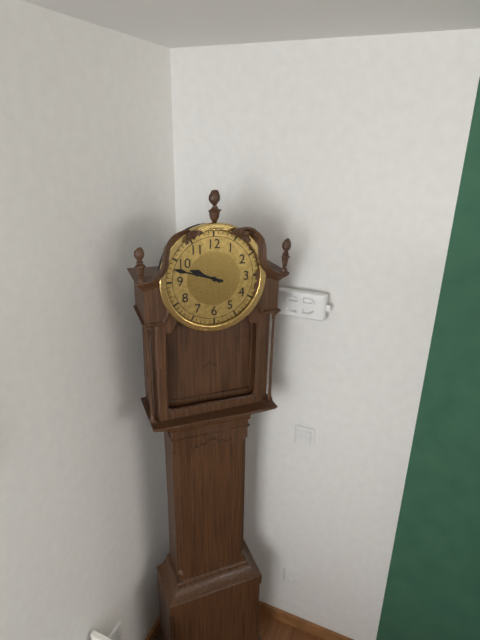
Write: 9,48
